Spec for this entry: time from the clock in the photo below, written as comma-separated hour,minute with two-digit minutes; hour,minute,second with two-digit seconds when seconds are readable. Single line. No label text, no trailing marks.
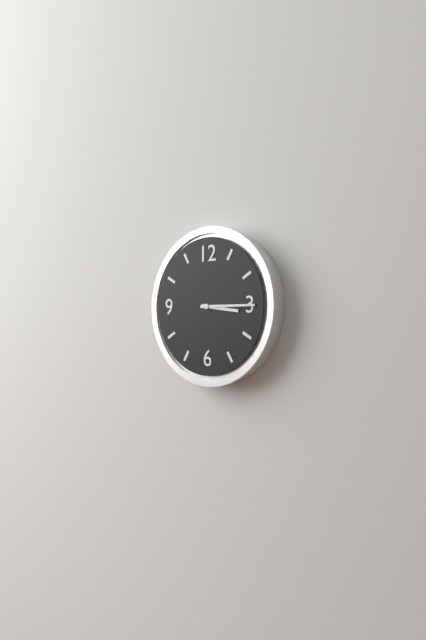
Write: 3,15
